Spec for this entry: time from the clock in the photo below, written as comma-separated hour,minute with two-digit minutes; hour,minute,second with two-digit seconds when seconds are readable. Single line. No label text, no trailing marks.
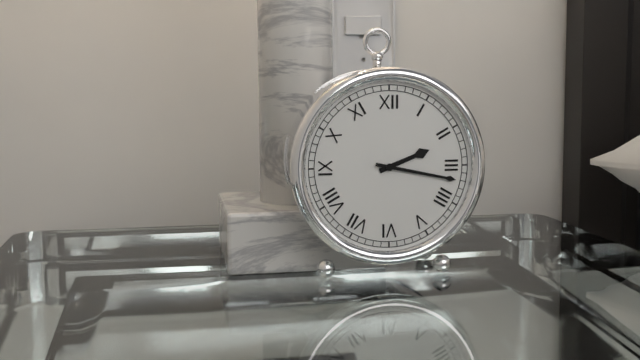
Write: 2,17
